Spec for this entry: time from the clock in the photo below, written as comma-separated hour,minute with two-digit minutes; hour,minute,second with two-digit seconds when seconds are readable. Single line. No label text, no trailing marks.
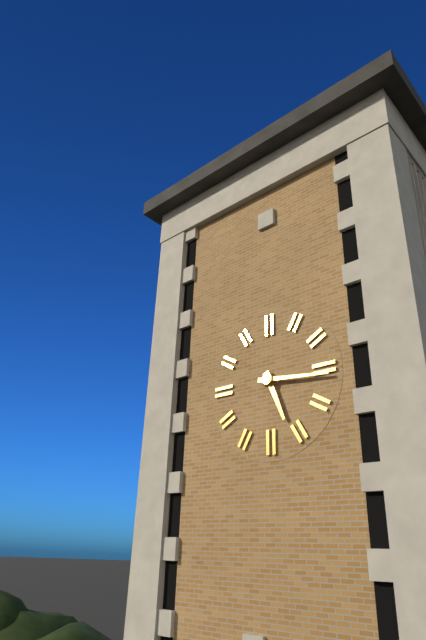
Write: 5,16
